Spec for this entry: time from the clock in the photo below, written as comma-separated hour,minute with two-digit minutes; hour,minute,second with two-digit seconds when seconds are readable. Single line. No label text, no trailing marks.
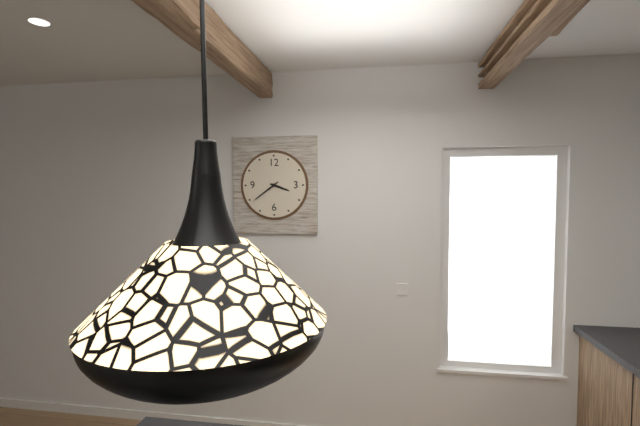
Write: 3,39
